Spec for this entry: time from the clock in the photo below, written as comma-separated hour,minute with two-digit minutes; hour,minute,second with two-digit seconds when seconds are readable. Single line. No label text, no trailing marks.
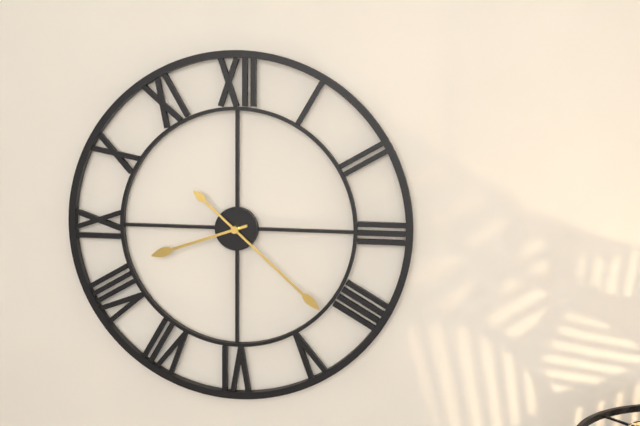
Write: 8,22
